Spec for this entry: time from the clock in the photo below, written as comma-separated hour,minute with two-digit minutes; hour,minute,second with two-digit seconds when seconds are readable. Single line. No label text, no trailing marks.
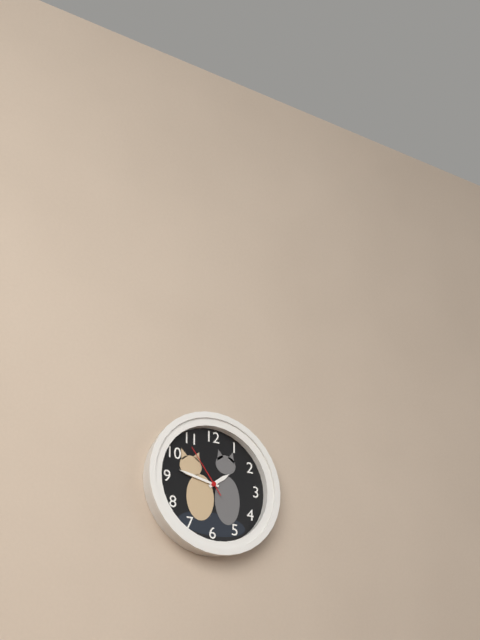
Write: 1,47,54
